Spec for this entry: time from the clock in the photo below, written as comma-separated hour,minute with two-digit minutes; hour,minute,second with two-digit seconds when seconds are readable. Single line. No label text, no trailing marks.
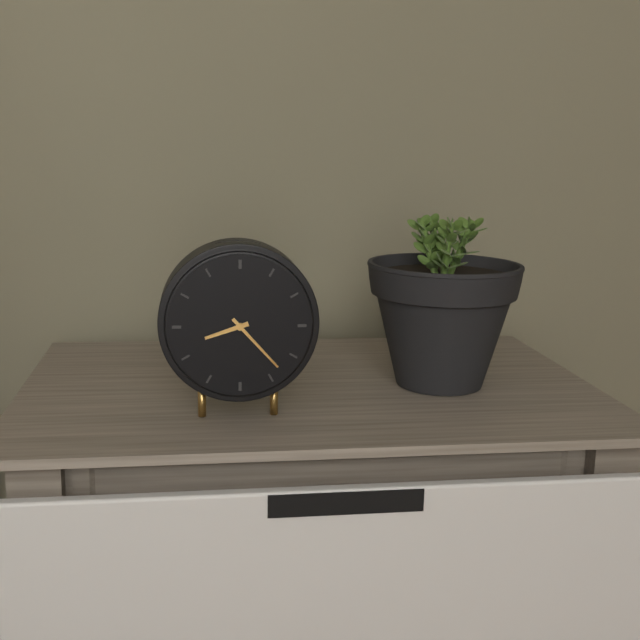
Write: 8,23
